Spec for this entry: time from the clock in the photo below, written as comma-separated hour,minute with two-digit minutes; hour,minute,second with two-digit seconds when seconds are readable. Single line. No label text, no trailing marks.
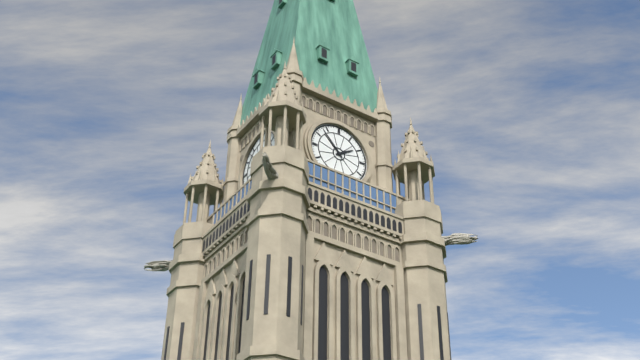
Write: 1,53
